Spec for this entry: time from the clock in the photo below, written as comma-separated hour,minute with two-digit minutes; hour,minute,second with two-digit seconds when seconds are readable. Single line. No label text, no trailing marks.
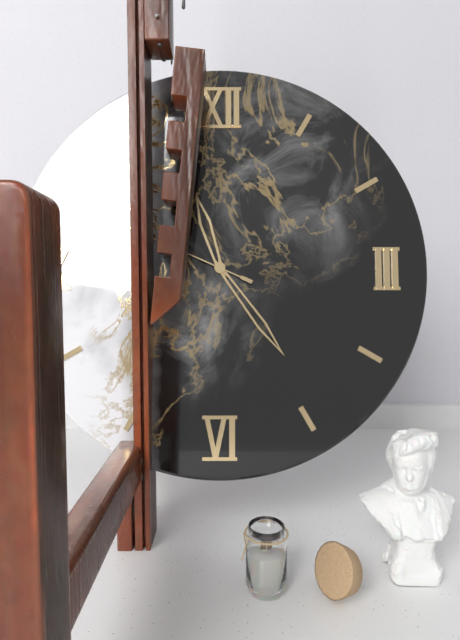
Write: 11,24,49
